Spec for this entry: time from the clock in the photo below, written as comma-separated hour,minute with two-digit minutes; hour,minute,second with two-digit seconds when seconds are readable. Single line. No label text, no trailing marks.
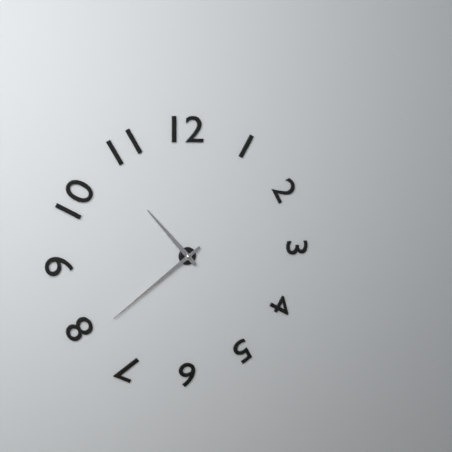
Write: 10,39
